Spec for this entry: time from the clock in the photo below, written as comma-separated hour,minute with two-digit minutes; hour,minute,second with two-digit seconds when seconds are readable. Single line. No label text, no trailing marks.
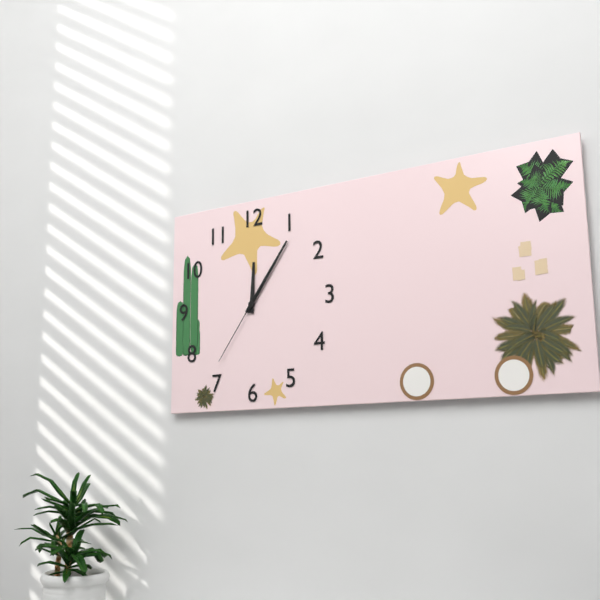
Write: 12,06,36
